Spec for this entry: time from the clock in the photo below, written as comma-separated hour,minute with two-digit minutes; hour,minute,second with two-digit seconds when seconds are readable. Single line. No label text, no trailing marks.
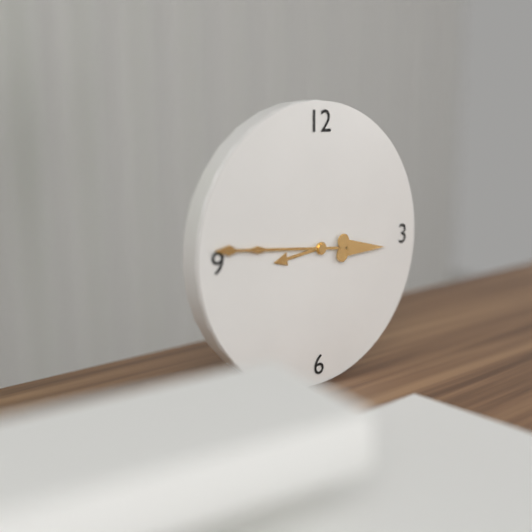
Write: 8,46
